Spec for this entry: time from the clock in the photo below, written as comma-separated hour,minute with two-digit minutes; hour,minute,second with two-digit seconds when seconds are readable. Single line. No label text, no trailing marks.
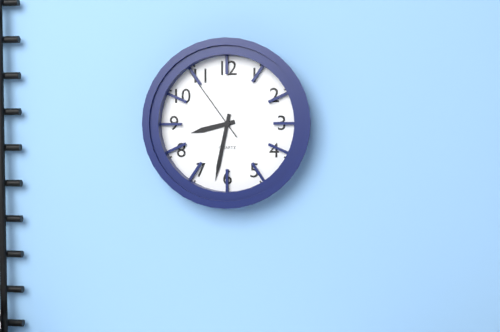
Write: 8,32,54
